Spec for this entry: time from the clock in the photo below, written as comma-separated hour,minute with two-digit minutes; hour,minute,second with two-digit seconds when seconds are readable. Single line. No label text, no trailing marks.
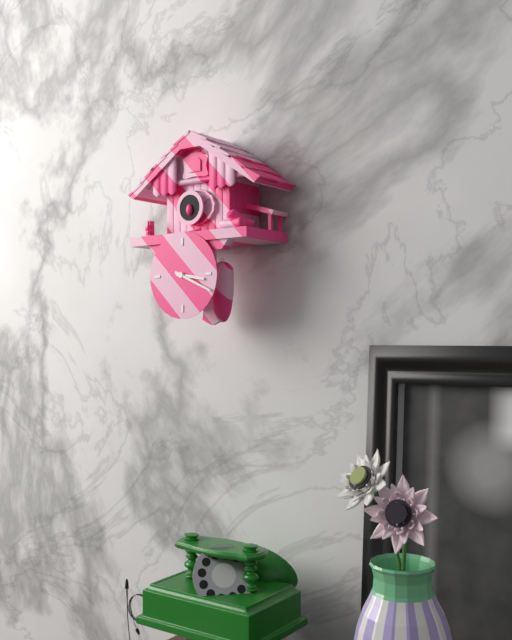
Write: 3,19
